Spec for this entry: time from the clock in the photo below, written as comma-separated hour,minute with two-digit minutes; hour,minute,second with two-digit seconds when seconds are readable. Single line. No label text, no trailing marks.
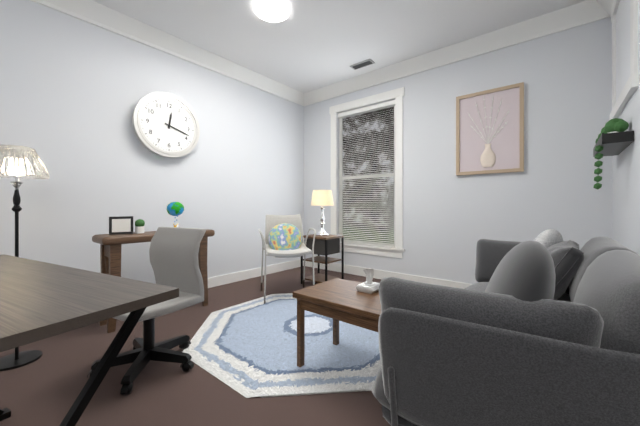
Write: 12,18
